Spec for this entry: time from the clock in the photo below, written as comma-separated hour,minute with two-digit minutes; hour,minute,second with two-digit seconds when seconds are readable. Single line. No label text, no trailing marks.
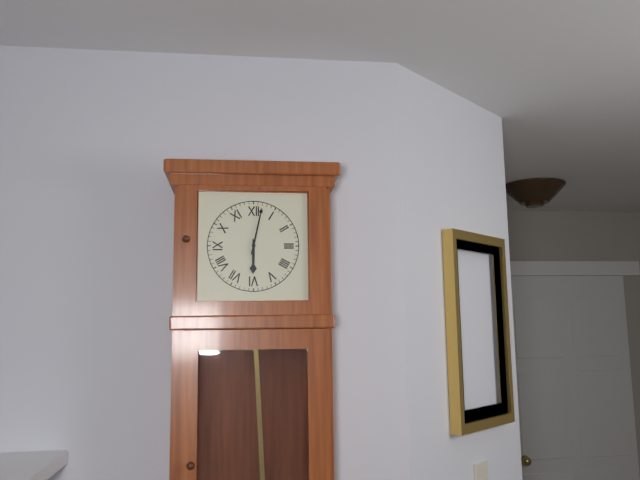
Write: 6,02
